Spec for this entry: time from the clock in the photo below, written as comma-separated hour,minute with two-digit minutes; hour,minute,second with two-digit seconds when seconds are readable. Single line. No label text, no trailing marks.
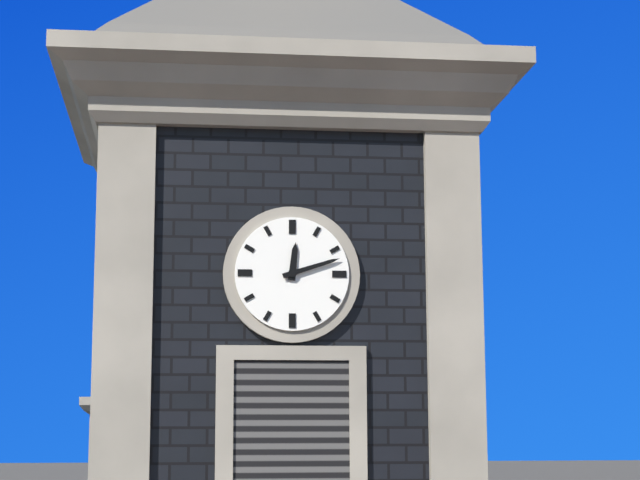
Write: 12,12
